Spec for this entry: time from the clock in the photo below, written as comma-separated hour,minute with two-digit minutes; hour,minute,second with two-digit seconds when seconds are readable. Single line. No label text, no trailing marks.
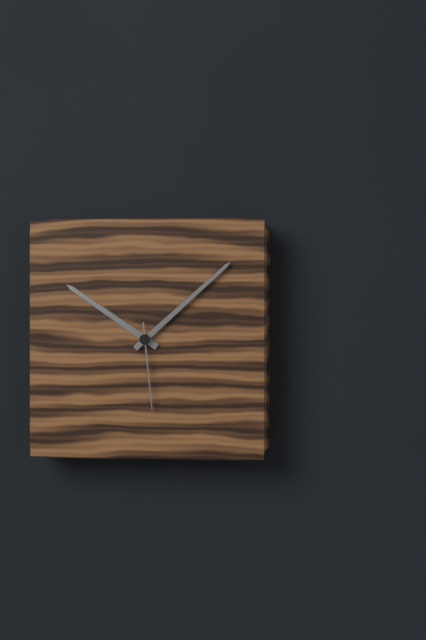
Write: 10,08,29
